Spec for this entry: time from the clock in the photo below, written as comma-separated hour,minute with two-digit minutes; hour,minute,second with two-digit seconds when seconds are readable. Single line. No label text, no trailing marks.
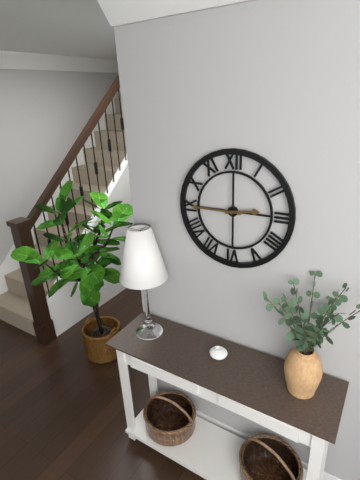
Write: 2,45
